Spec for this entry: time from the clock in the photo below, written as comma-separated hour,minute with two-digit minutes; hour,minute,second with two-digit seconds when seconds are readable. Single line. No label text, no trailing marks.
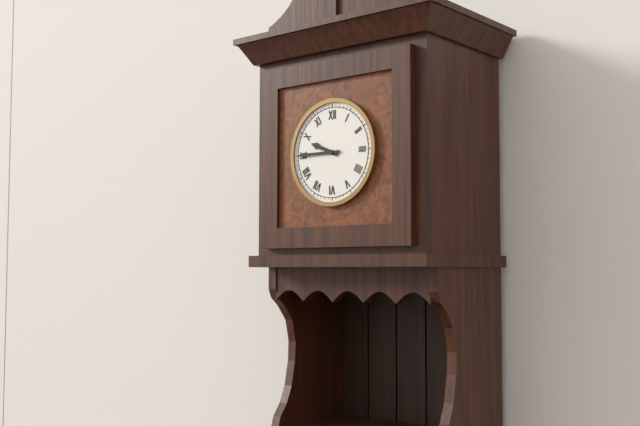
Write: 9,45
